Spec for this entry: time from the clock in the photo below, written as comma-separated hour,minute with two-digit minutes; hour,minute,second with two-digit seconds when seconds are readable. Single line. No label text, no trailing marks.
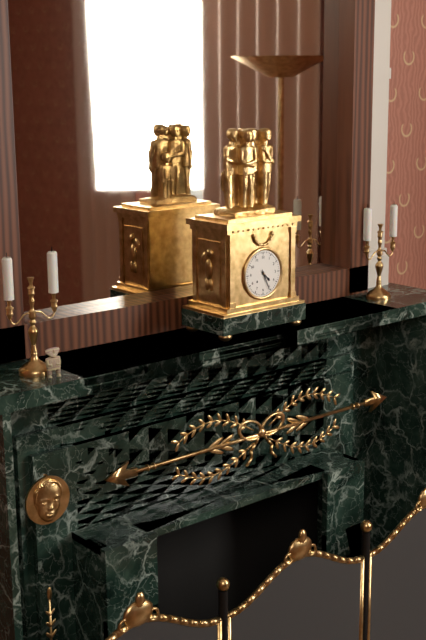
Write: 4,26
